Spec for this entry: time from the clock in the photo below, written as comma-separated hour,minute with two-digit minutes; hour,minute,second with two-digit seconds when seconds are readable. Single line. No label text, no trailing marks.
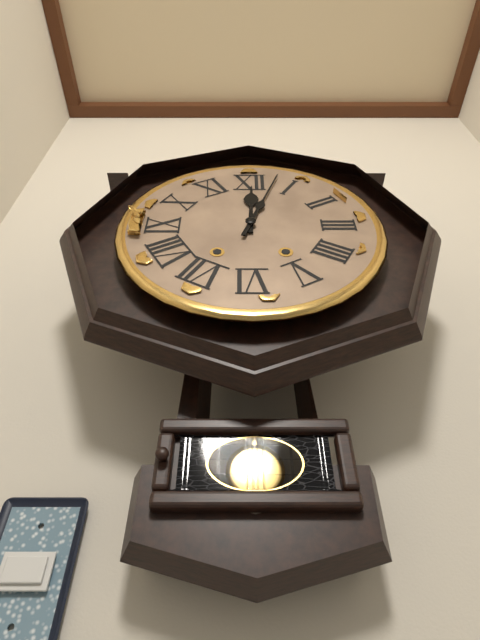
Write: 12,03
